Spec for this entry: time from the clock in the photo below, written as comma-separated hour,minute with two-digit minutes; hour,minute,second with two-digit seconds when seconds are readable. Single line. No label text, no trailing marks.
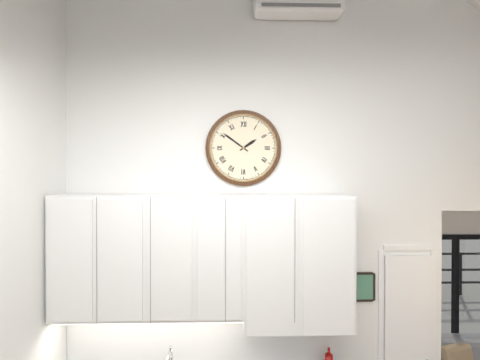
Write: 1,51
